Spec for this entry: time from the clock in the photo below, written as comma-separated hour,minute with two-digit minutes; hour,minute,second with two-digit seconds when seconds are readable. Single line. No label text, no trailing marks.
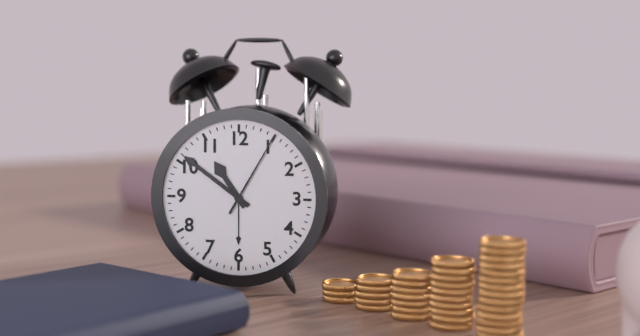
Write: 10,51,05
